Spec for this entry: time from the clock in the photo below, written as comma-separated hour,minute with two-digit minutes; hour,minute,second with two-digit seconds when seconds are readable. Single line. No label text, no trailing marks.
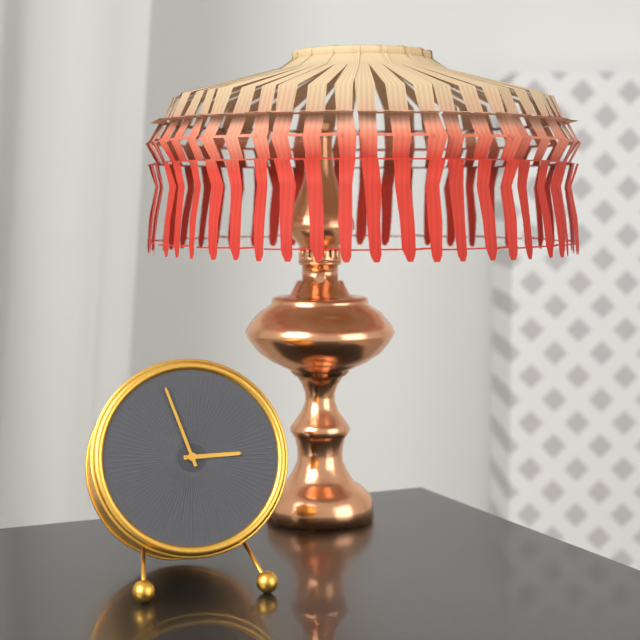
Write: 2,57
